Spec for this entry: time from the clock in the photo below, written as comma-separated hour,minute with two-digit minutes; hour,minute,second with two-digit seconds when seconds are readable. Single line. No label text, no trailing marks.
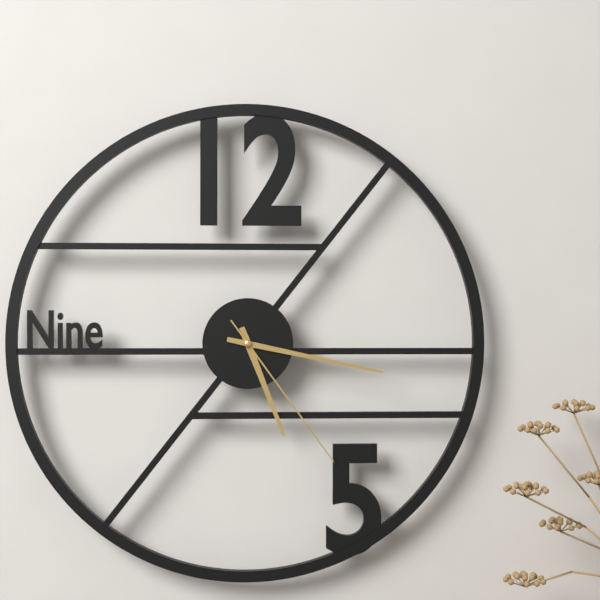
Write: 5,17,24
